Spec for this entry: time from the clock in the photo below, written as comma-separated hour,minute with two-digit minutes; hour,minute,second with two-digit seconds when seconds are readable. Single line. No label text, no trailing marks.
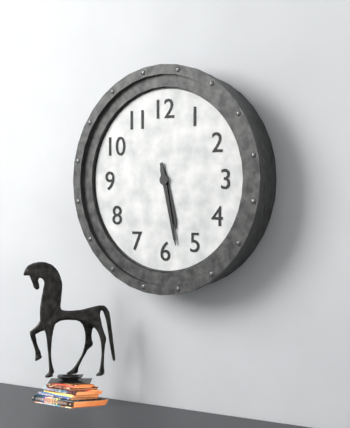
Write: 5,28
